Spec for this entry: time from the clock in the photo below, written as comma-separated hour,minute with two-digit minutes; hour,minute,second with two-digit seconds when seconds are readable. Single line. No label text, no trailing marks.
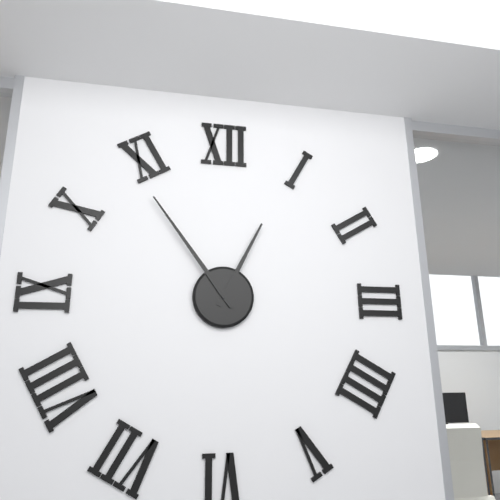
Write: 12,54
